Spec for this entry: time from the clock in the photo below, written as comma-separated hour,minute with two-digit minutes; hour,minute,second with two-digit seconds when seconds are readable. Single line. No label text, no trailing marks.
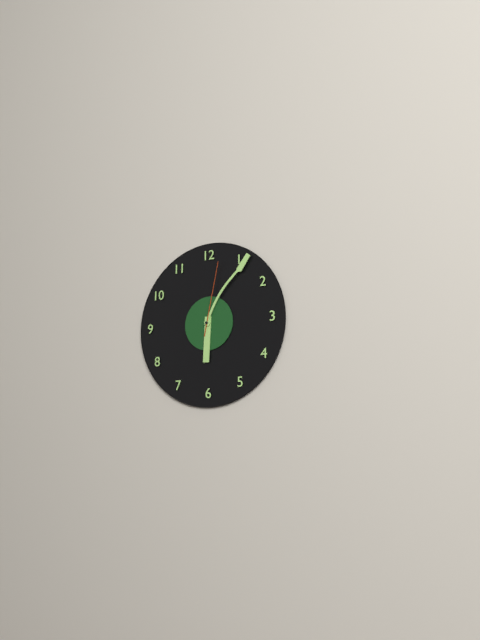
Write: 6,06,02
